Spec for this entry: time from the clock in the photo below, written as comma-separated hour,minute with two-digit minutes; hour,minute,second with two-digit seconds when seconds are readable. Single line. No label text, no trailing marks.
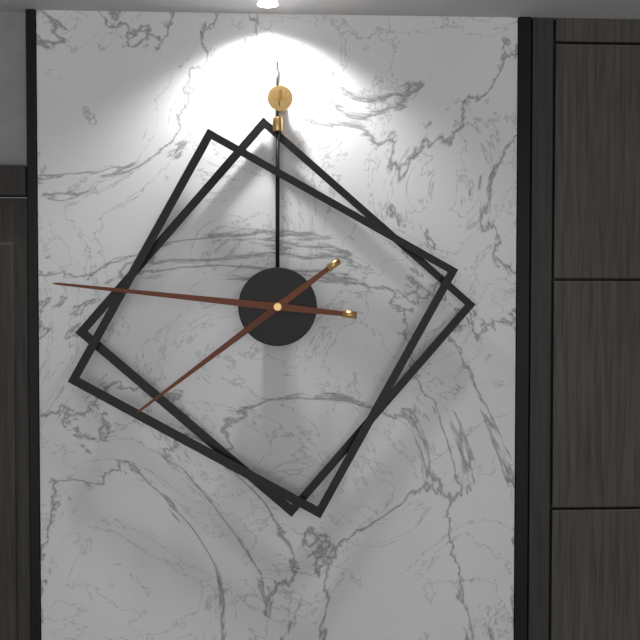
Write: 7,46
